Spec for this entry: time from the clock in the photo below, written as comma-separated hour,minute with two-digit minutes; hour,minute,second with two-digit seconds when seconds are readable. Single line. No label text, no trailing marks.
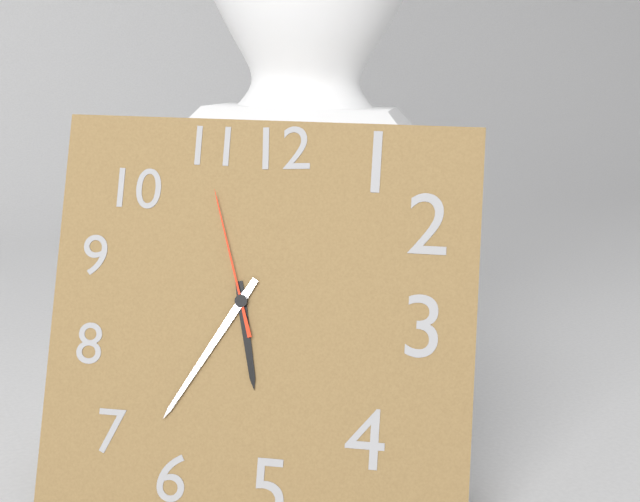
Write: 5,35,57
